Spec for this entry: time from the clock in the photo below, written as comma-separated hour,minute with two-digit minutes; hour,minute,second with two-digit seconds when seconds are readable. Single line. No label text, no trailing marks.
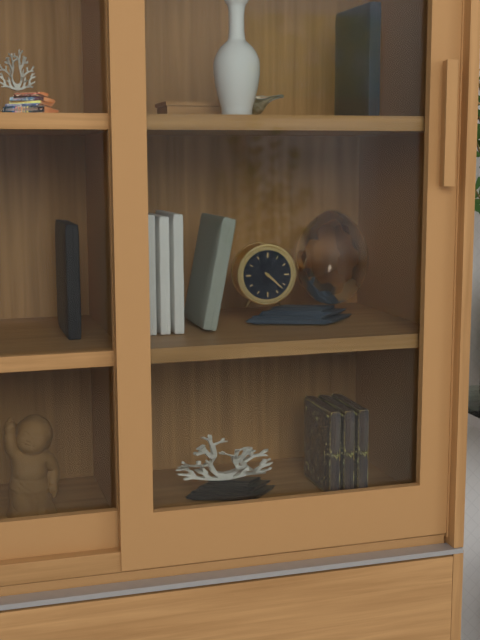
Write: 4,22
